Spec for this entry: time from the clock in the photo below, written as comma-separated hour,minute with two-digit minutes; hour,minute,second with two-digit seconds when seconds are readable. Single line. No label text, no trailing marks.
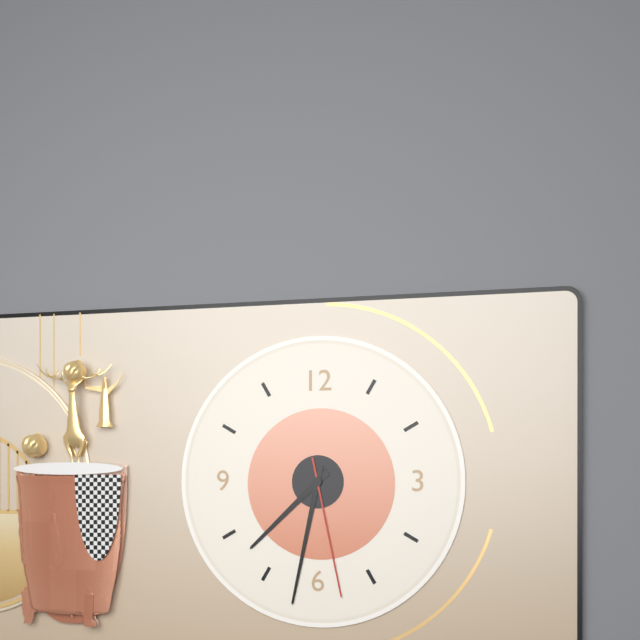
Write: 7,32,28
